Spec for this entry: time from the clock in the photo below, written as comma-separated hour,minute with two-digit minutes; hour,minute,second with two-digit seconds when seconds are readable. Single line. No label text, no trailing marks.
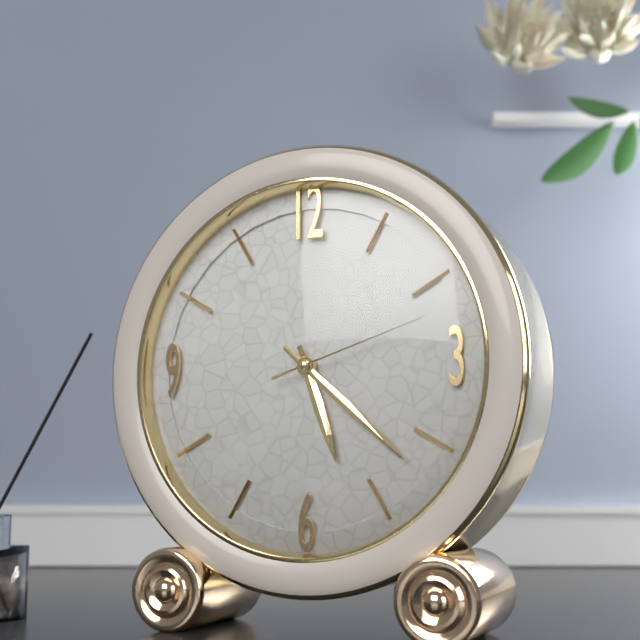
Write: 5,22,12
